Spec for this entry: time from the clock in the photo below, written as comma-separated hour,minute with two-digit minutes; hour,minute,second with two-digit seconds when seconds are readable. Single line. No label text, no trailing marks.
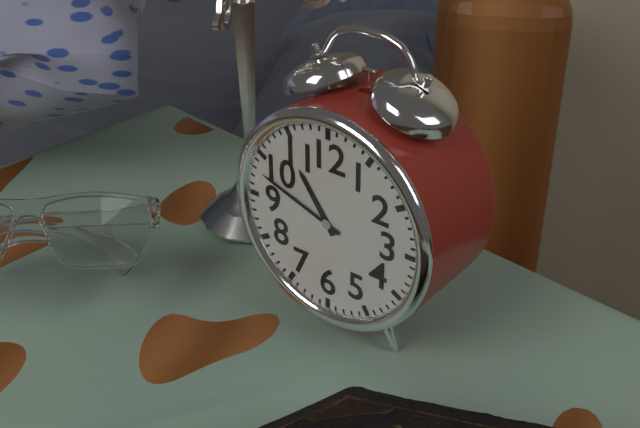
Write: 10,48
